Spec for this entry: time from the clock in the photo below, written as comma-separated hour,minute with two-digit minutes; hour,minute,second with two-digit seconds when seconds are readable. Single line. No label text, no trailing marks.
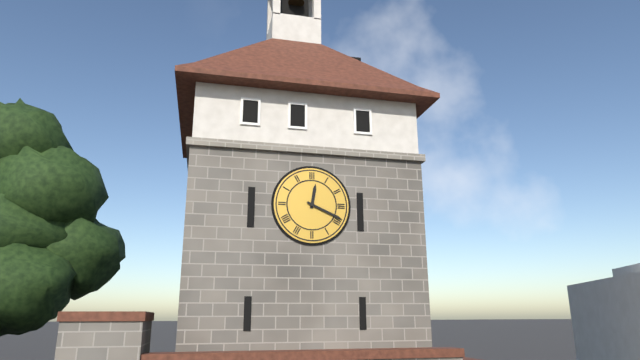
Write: 12,19
